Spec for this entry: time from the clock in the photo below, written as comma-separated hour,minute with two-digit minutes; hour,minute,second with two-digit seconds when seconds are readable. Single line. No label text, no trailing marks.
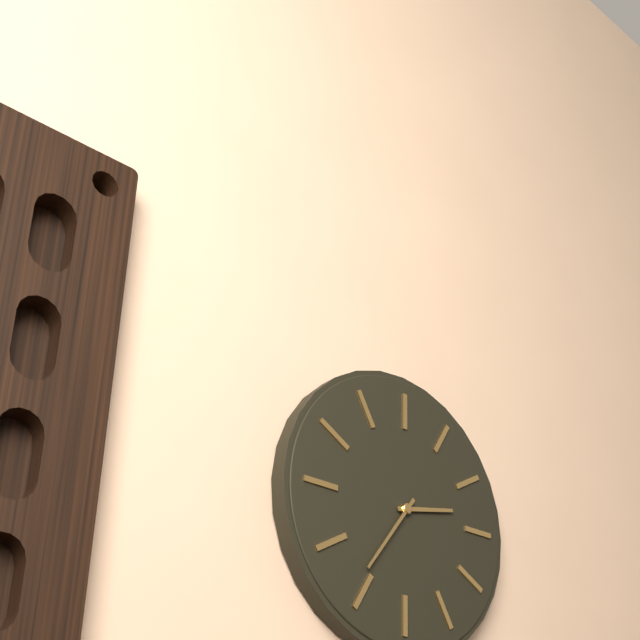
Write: 2,36
